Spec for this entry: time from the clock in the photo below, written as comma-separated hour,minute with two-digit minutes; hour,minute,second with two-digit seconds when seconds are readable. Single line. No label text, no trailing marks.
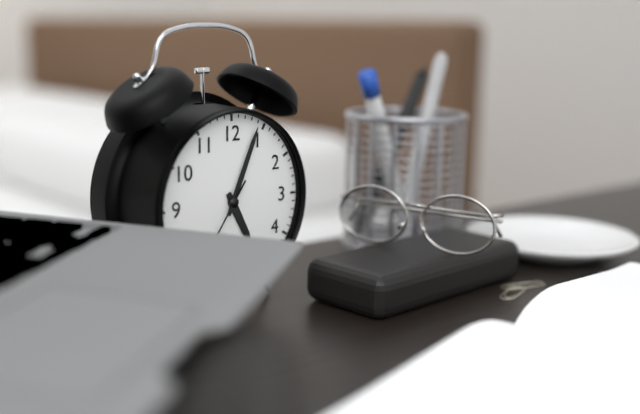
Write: 5,04
